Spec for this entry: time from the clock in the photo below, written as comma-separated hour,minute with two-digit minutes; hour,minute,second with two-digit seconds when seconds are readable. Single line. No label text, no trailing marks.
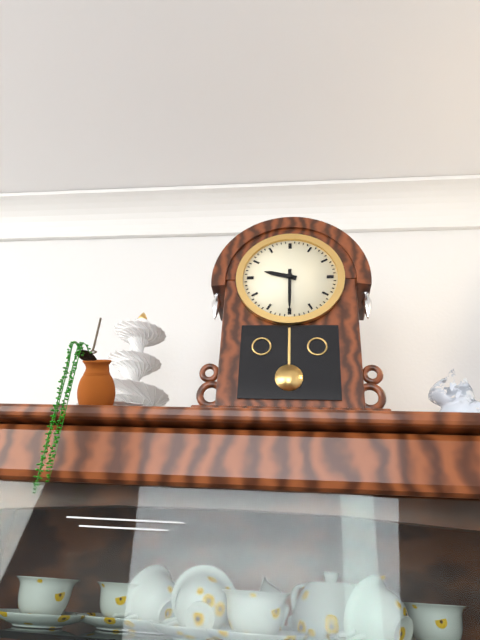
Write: 9,30
